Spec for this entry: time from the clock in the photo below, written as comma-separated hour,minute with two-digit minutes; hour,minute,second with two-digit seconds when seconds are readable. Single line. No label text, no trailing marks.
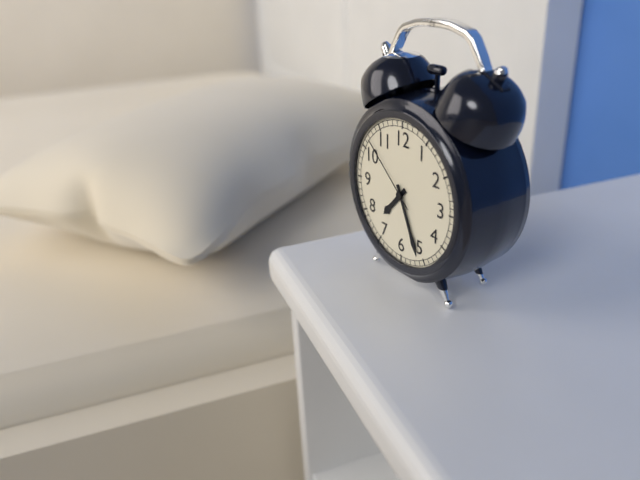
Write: 7,26,52
